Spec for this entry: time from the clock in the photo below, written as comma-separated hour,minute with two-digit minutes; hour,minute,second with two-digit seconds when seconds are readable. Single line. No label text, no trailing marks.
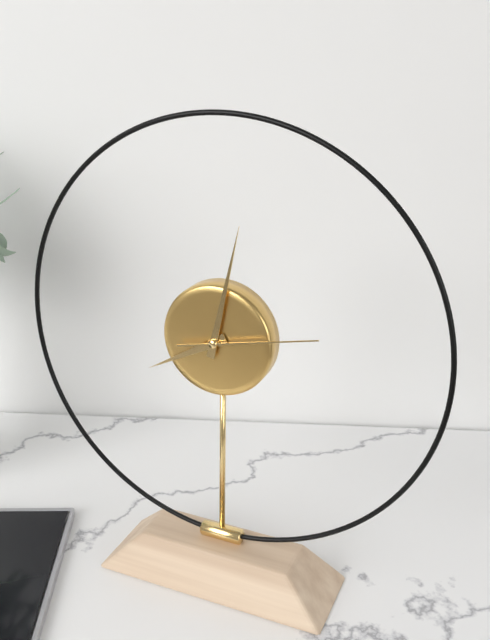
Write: 8,02,13
